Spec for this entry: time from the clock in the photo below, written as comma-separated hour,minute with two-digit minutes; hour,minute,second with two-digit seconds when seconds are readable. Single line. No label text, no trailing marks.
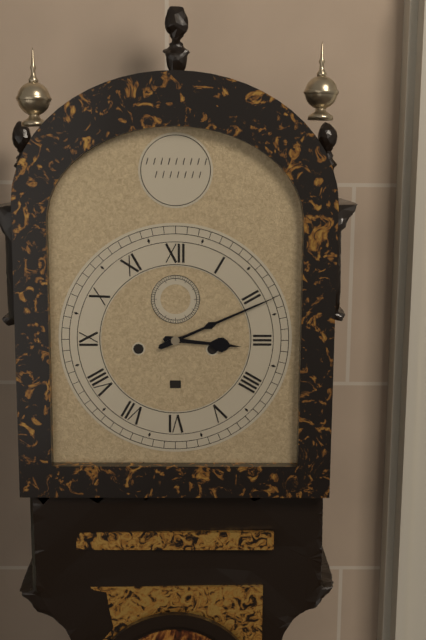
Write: 3,11
